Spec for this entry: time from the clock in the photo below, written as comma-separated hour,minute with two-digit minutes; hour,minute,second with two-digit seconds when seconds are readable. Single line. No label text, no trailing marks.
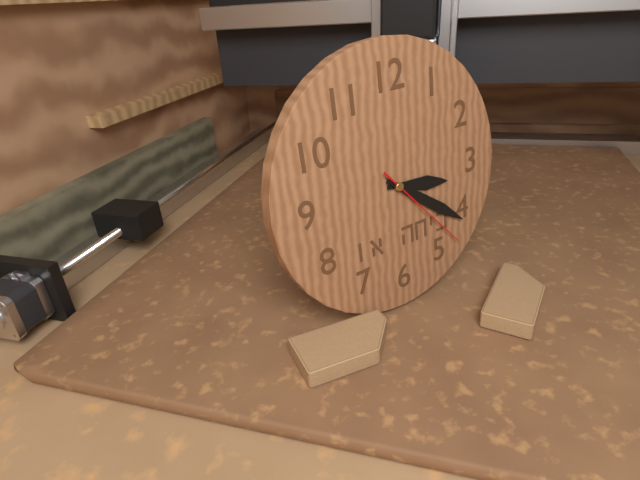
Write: 3,21,23
